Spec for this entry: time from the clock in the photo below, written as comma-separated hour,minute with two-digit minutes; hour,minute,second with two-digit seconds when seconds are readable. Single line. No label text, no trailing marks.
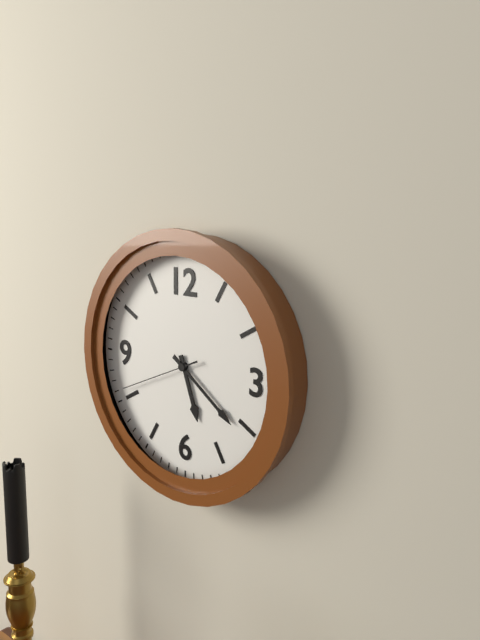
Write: 5,21,41
